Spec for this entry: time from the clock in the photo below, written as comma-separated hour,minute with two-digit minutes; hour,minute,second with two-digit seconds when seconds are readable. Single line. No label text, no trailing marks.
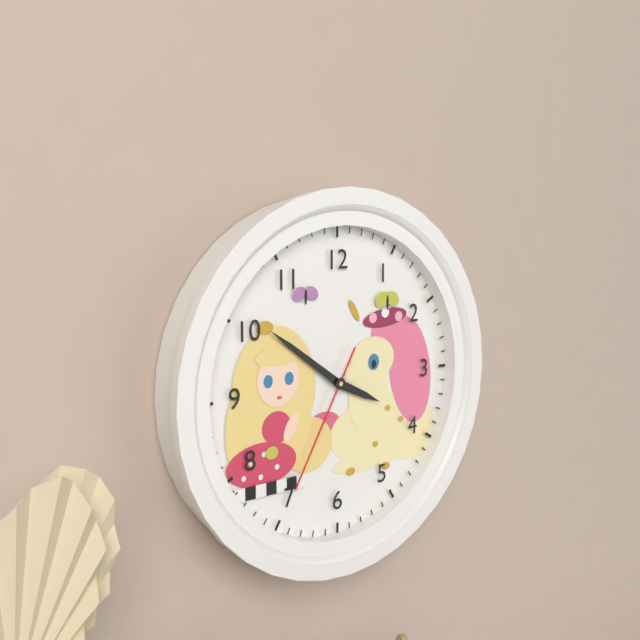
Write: 3,51,35
